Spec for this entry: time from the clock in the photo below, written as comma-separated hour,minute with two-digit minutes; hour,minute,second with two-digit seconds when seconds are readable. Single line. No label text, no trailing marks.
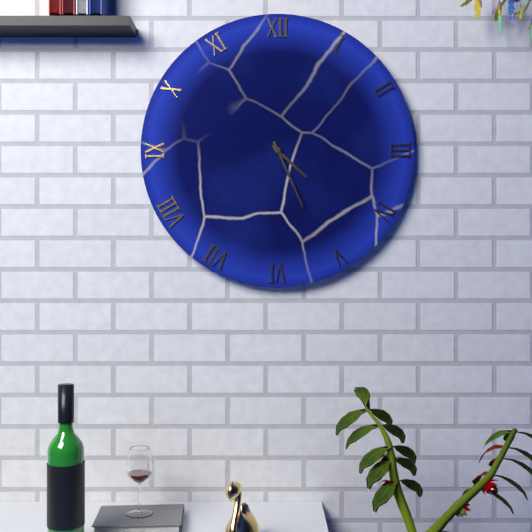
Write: 4,26
